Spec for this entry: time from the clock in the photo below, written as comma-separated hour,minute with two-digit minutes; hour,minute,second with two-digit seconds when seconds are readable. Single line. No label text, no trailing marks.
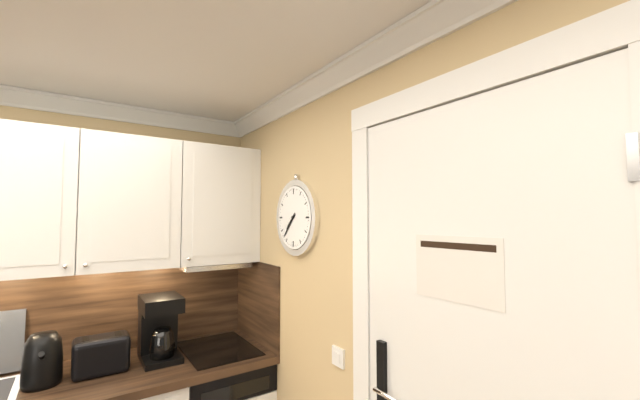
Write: 7,37
